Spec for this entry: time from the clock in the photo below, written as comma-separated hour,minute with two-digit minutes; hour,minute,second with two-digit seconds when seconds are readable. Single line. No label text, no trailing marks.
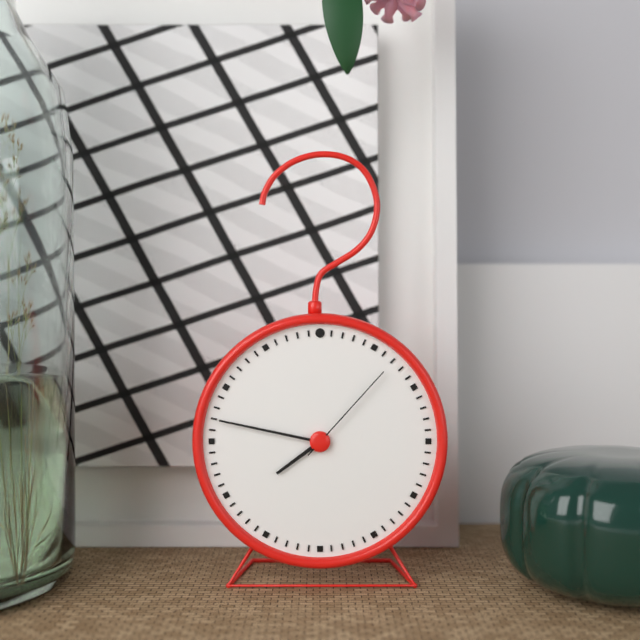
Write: 7,47,07
